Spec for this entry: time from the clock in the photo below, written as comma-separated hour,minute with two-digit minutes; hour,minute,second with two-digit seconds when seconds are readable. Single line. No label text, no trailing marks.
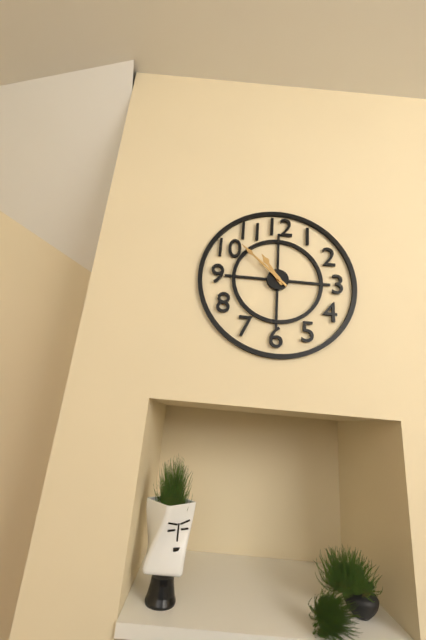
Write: 10,52
